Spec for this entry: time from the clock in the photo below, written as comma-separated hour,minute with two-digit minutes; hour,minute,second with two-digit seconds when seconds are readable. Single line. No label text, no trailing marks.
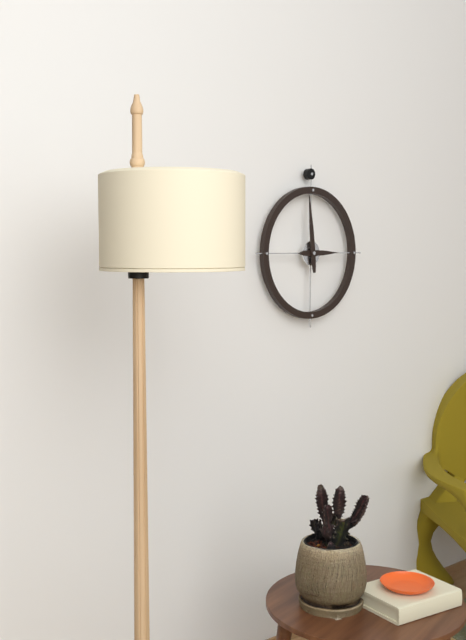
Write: 2,59
